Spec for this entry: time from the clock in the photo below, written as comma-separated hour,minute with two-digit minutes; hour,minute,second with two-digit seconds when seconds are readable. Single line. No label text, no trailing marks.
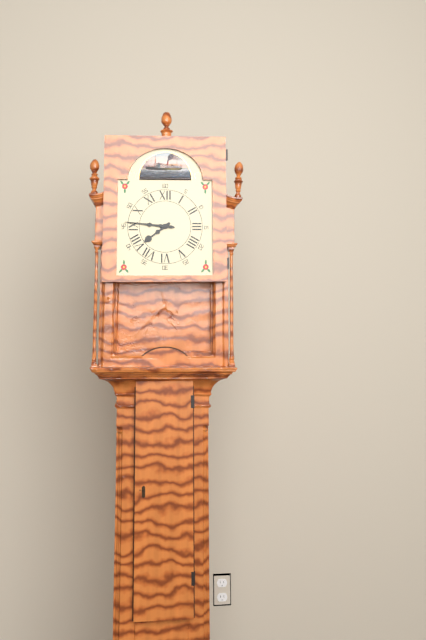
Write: 7,46
